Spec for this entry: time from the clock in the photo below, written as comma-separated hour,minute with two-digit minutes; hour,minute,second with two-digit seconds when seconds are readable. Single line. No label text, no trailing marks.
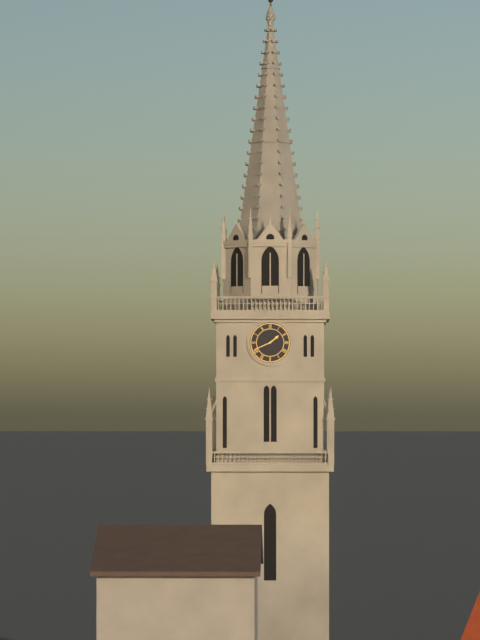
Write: 1,41
